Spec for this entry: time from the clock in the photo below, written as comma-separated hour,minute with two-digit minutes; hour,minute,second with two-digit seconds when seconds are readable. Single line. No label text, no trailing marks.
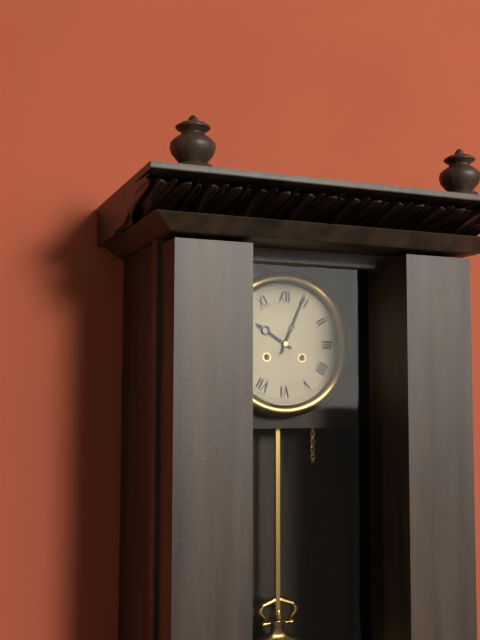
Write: 10,04
